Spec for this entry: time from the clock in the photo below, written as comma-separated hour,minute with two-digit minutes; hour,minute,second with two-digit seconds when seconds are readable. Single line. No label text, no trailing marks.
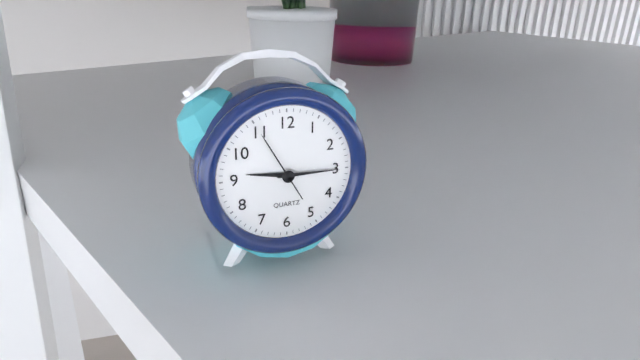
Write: 9,15,55
